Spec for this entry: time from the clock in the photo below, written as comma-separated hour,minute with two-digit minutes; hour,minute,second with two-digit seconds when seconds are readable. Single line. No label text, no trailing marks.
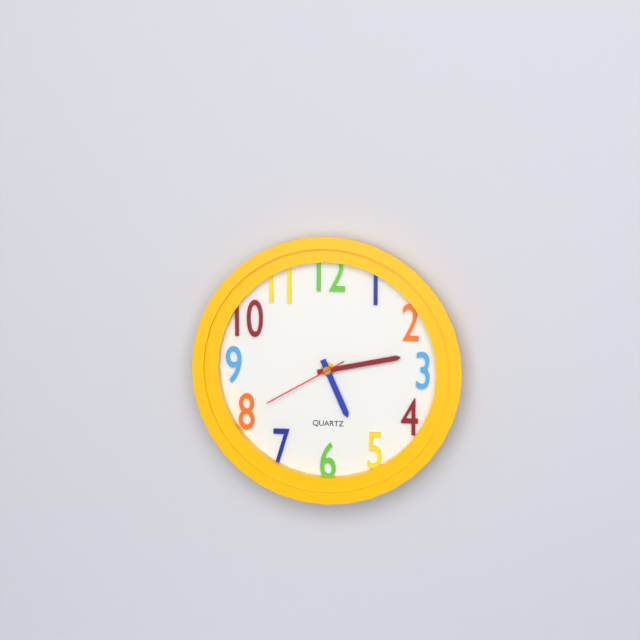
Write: 5,13,40
